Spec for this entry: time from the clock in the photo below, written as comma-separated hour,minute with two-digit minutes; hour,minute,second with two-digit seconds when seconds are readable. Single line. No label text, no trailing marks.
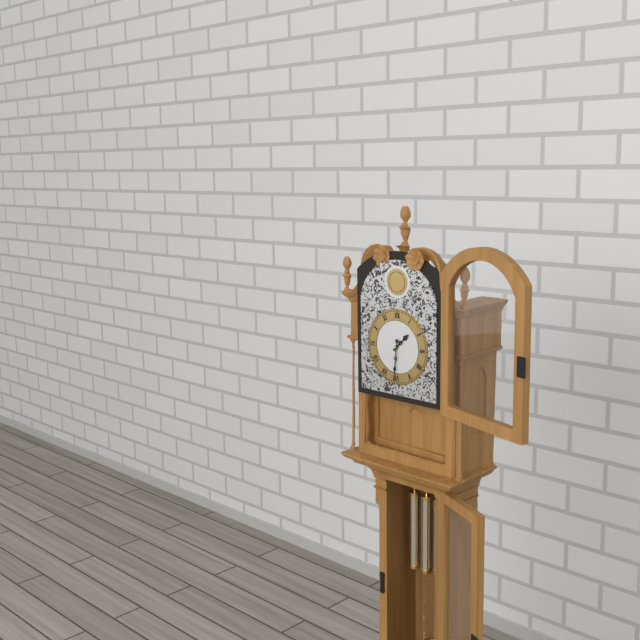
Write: 1,31
